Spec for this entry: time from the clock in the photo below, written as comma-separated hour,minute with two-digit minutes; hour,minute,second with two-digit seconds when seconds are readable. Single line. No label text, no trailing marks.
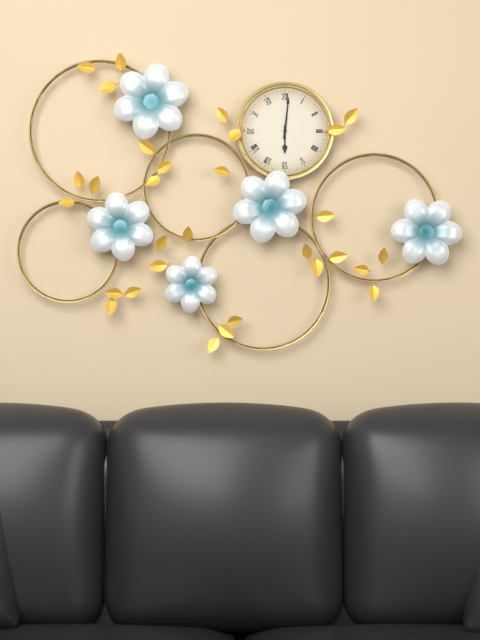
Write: 6,01
